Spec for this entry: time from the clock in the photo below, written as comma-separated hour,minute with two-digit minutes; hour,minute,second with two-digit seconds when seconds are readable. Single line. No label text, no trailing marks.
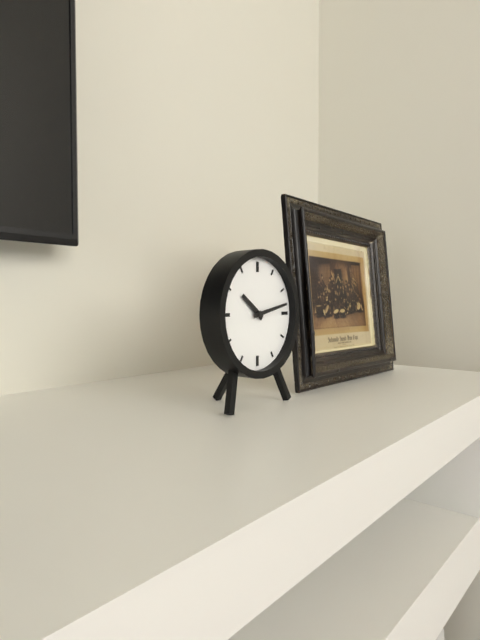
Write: 10,13
